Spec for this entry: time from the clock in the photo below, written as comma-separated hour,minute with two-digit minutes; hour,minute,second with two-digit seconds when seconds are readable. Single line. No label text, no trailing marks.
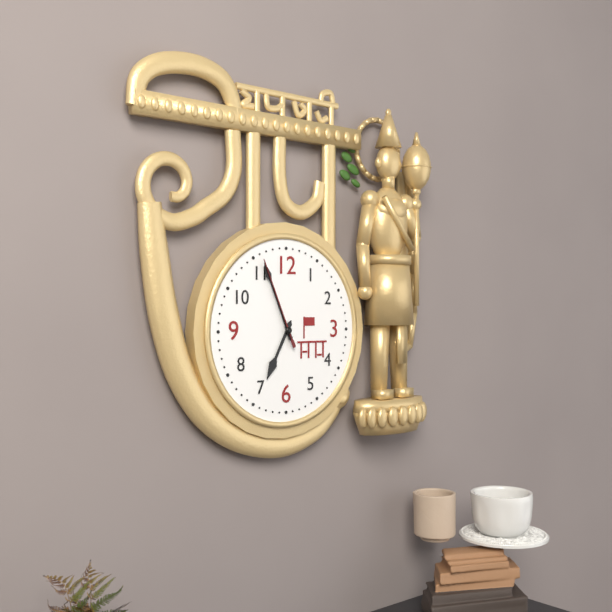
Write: 6,56,56
